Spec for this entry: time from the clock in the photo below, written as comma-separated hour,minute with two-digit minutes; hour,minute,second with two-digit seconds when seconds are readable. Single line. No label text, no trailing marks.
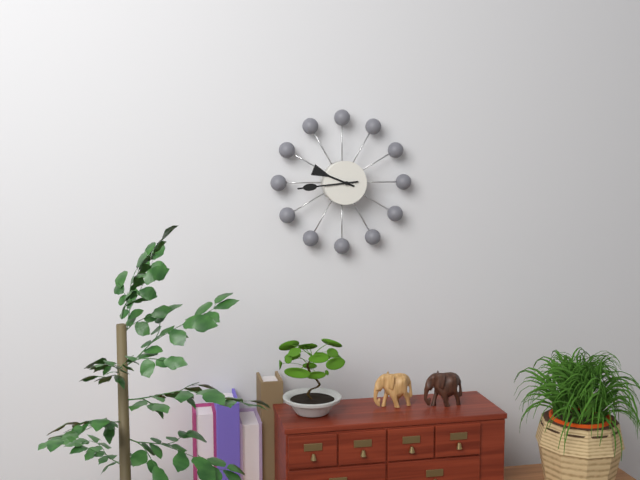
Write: 9,44
